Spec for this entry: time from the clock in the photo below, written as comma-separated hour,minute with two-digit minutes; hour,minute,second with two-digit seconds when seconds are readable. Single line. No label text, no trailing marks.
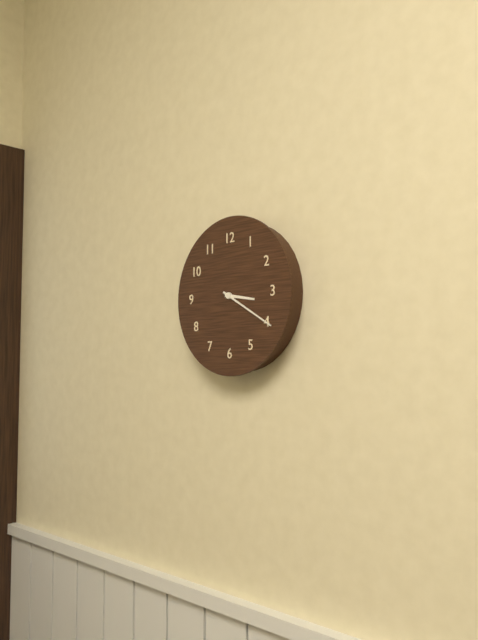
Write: 3,20
